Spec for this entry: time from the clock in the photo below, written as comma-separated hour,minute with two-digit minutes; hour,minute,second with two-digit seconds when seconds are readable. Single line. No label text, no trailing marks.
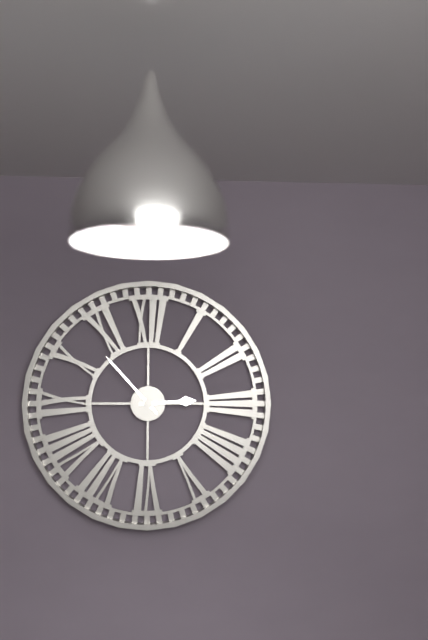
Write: 2,53
